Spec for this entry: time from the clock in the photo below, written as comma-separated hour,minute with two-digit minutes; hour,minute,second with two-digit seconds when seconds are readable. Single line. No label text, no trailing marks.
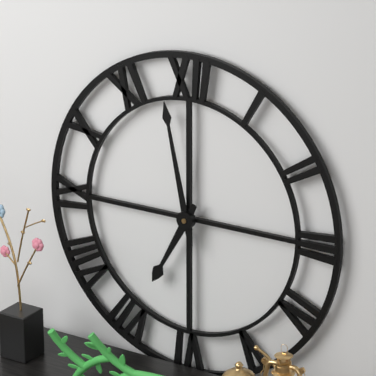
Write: 6,58
